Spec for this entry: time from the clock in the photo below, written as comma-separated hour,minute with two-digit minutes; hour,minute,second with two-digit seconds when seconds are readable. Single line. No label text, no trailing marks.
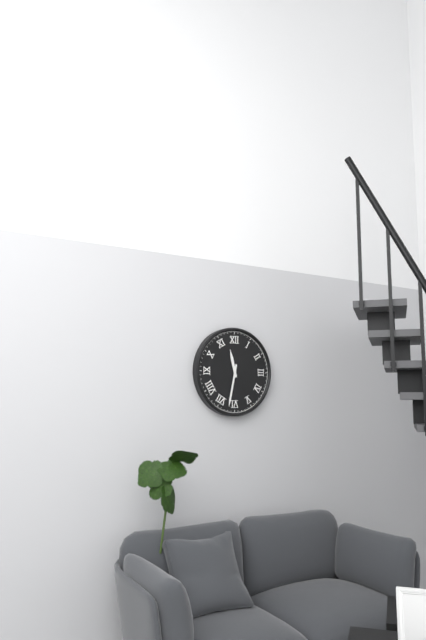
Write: 11,32
